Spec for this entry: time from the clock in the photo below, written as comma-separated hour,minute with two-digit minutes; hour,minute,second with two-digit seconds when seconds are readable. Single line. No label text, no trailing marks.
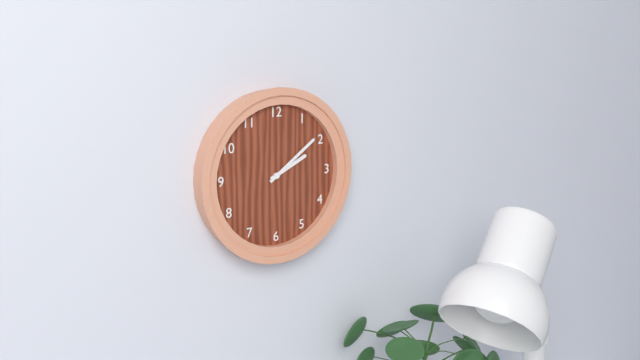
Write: 2,09
